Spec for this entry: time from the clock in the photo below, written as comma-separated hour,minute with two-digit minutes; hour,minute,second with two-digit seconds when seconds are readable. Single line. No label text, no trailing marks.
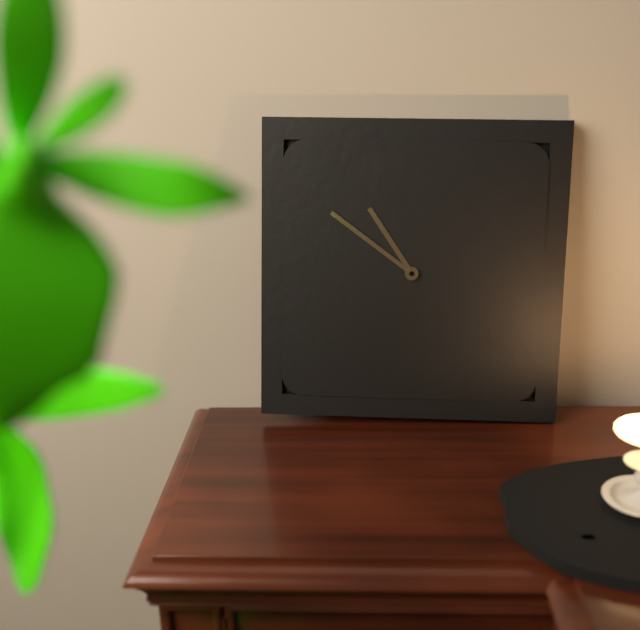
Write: 10,51
